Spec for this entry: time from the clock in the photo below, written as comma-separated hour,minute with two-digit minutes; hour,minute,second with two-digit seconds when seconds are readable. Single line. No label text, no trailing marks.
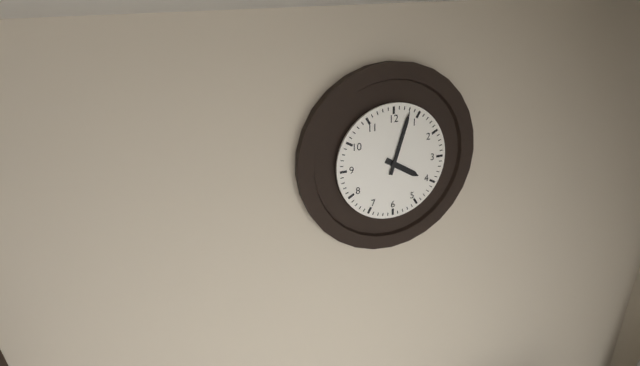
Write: 4,03
